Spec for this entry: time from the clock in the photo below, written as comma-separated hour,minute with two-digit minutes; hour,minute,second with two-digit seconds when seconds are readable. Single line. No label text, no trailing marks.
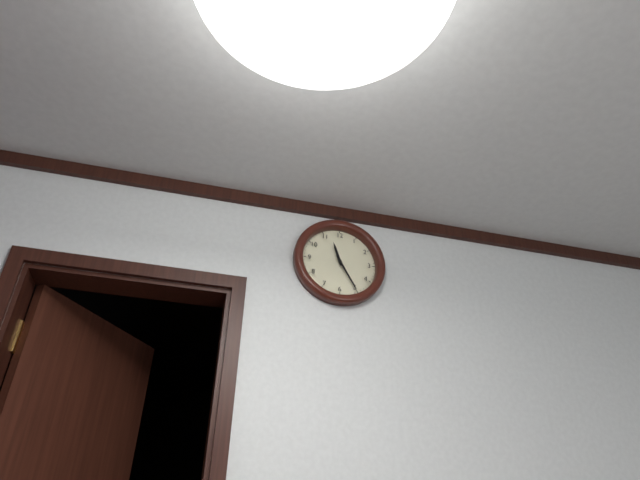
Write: 11,25
